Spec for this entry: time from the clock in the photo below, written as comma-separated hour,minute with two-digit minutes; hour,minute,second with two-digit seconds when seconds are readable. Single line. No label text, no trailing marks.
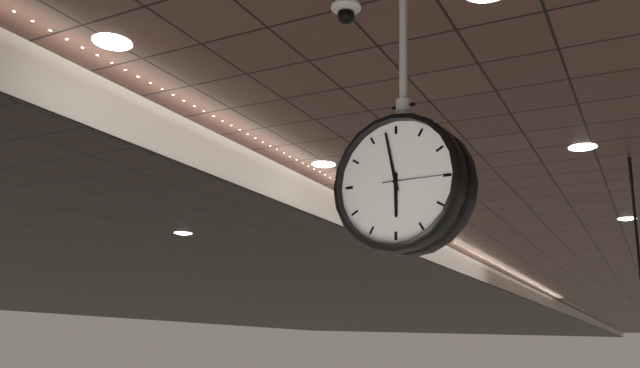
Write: 5,58,15
